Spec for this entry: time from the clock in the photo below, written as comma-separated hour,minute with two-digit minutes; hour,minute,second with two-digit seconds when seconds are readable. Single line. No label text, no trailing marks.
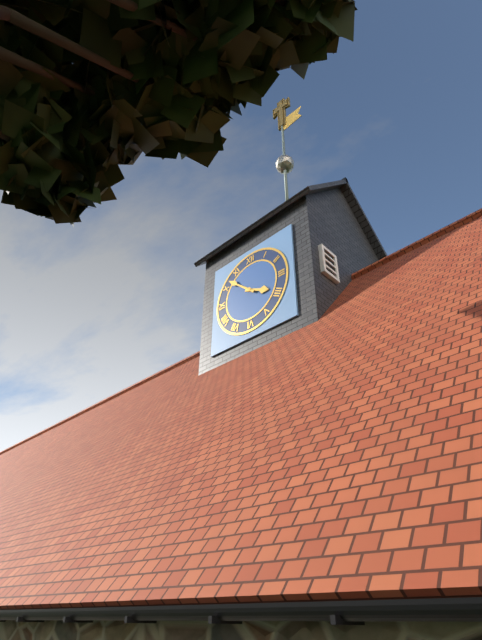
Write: 3,52
